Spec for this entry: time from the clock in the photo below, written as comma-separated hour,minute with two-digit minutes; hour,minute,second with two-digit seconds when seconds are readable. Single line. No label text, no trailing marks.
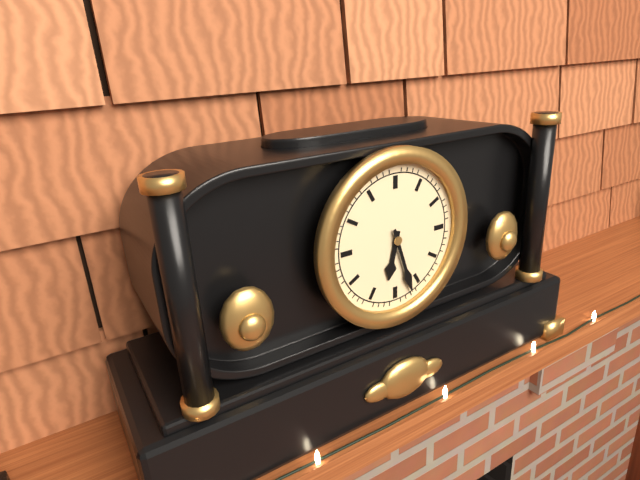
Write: 6,27
